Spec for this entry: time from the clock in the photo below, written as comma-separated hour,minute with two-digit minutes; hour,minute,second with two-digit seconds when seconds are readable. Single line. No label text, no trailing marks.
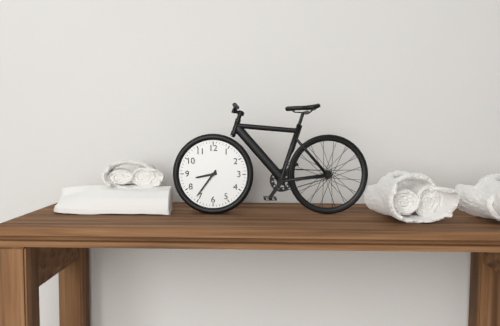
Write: 8,36
